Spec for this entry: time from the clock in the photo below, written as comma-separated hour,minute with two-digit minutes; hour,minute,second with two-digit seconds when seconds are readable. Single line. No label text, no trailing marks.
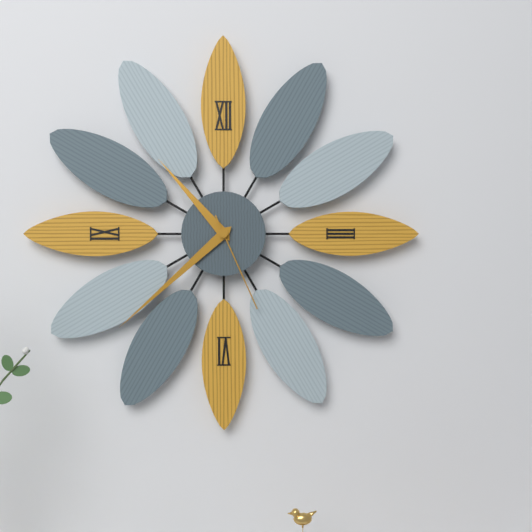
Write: 10,38,26
